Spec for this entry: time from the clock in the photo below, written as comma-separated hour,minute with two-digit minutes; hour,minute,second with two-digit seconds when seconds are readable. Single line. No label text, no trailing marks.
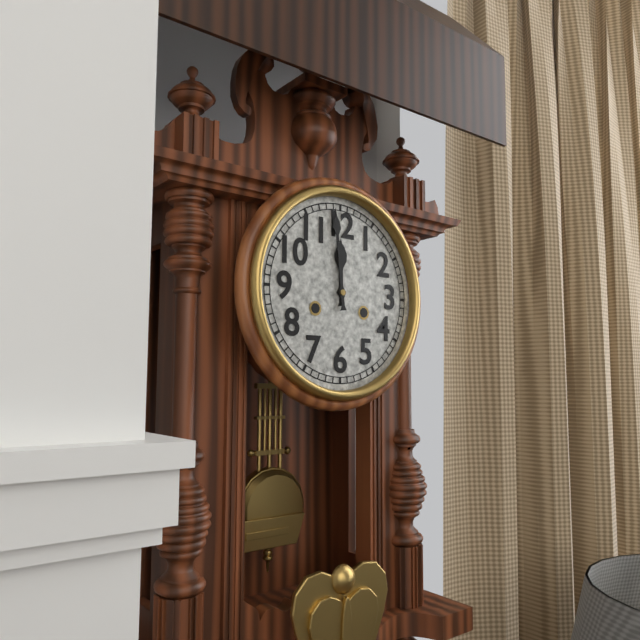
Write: 11,59
